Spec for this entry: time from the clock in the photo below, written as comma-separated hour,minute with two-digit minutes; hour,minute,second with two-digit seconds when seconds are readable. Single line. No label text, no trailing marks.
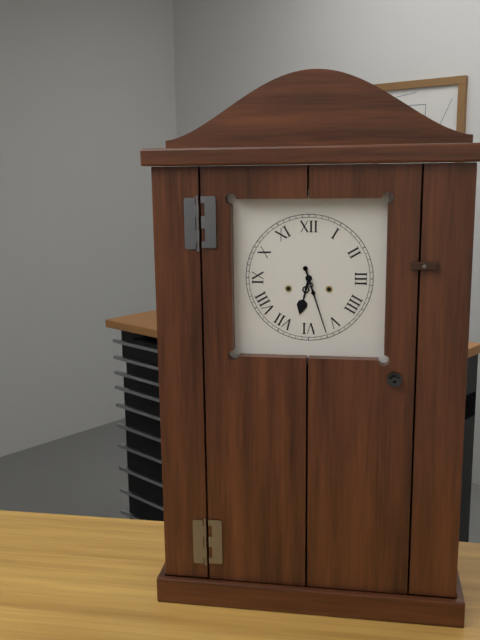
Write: 6,27
